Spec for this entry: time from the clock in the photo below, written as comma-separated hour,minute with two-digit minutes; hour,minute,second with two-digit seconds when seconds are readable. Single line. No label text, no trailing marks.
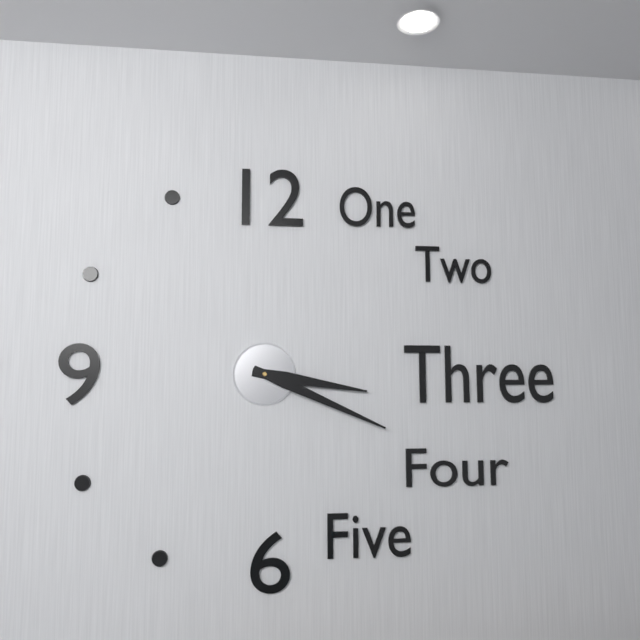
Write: 3,19
